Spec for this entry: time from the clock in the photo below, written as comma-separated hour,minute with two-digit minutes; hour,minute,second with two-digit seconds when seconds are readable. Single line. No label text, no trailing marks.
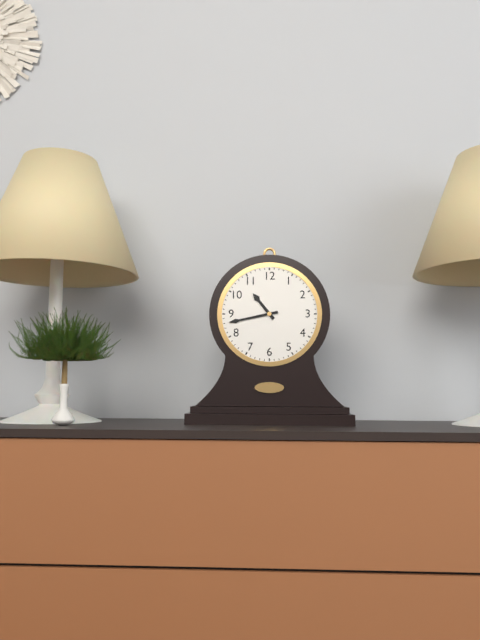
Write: 10,43
